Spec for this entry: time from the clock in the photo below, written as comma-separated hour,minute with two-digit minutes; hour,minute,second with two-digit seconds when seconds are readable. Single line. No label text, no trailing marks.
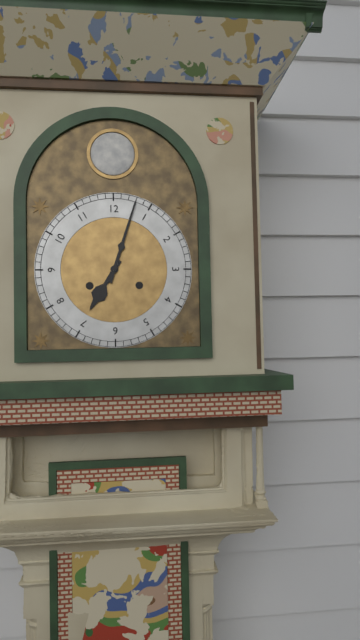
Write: 7,03
